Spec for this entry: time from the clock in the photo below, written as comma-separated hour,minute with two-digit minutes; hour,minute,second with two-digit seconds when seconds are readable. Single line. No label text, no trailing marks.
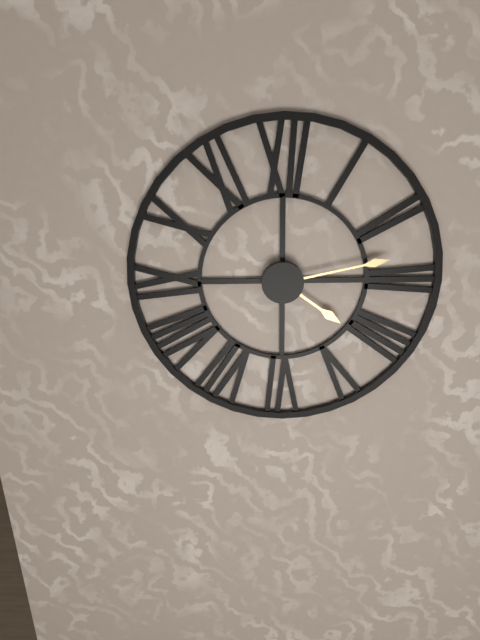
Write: 4,13
